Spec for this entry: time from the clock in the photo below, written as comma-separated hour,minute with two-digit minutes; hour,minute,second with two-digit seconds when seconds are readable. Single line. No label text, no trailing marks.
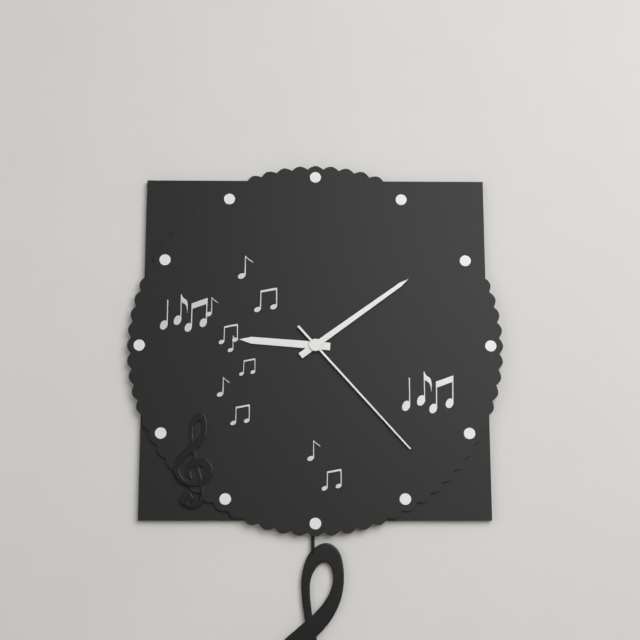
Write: 9,09,23
